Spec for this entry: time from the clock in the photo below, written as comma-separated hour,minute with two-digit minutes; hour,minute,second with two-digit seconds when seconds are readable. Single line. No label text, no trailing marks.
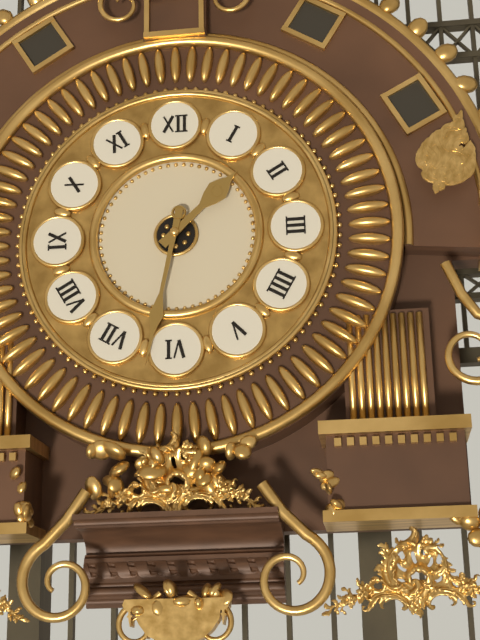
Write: 1,32
